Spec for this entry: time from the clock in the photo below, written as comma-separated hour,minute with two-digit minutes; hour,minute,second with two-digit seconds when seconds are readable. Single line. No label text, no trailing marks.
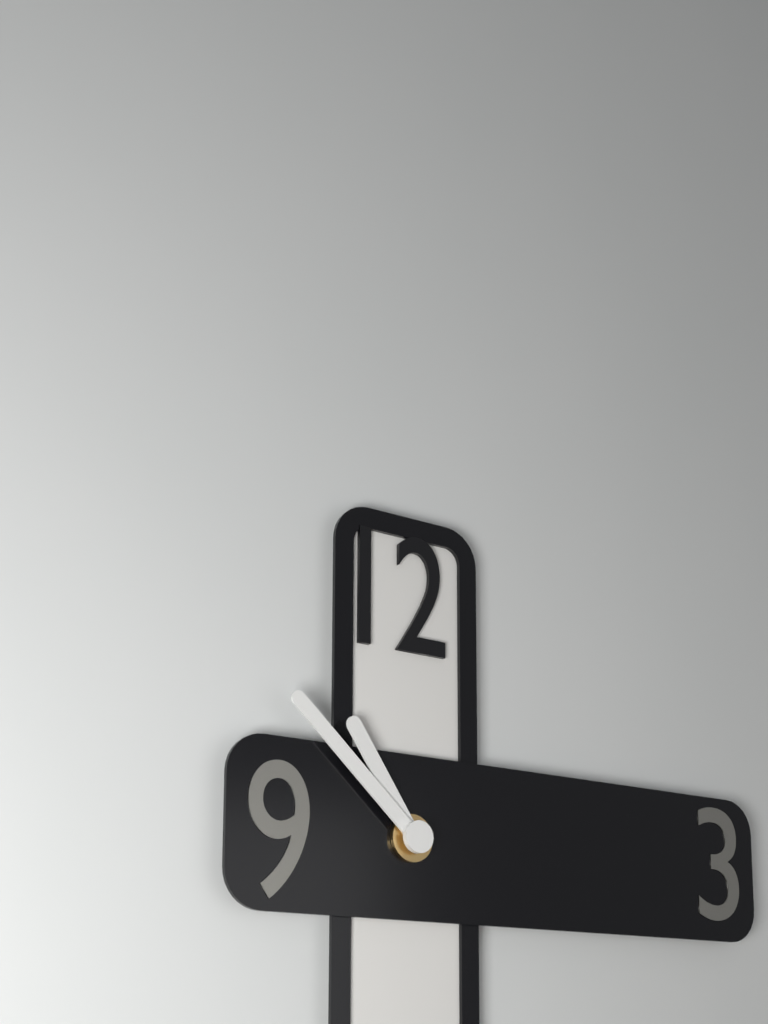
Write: 10,52
